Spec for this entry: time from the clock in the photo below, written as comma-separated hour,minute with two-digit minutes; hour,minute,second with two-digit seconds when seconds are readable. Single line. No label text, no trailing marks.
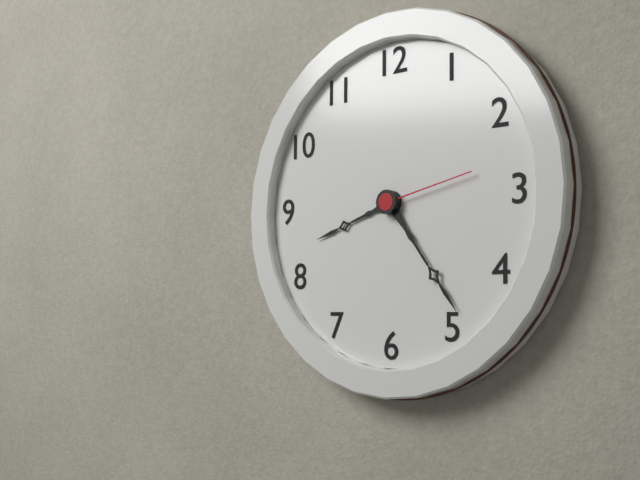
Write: 8,24,13
